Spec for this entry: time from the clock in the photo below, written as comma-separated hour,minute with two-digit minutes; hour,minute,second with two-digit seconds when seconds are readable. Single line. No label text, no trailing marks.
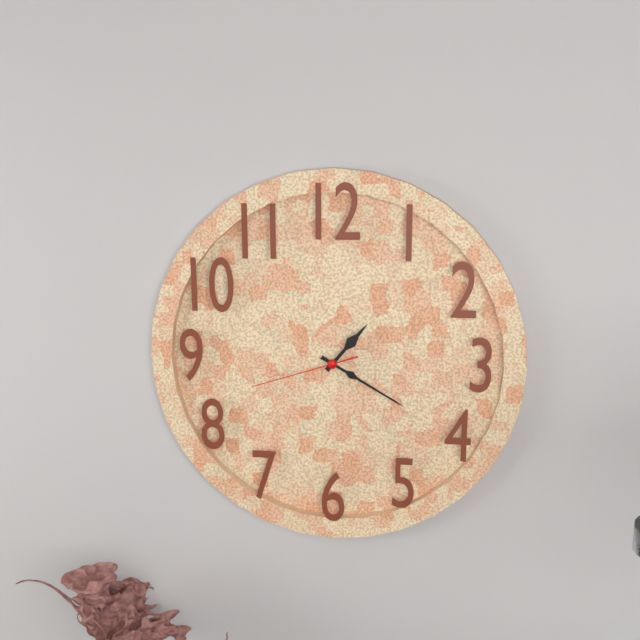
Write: 1,20,42
